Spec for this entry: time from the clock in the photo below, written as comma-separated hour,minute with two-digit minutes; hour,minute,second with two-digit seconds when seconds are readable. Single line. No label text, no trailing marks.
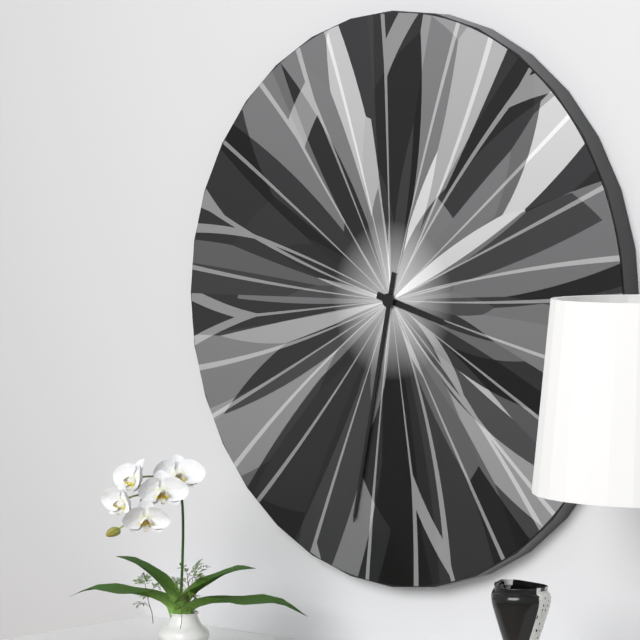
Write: 3,32
